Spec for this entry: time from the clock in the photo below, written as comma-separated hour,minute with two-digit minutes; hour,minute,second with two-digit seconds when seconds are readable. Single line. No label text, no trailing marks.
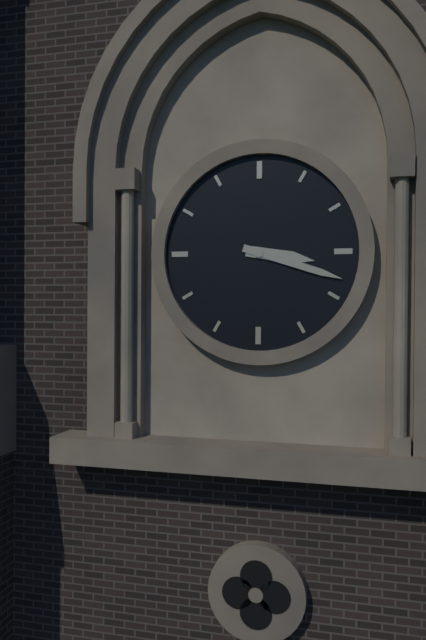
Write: 3,18
